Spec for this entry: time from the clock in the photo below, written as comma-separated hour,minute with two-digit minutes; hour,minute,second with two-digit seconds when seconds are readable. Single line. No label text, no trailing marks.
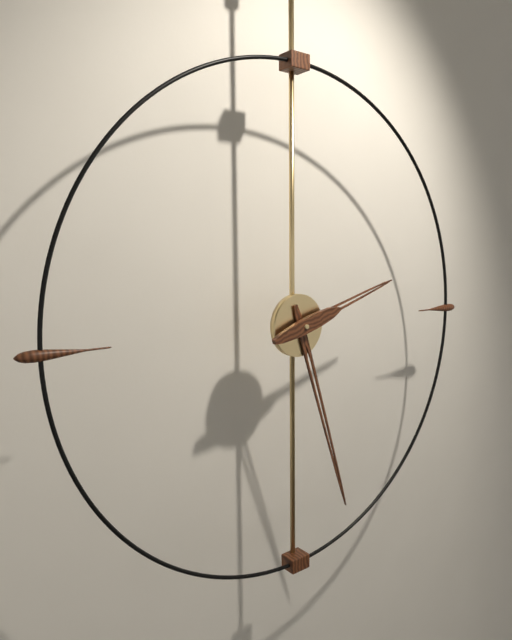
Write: 2,27
